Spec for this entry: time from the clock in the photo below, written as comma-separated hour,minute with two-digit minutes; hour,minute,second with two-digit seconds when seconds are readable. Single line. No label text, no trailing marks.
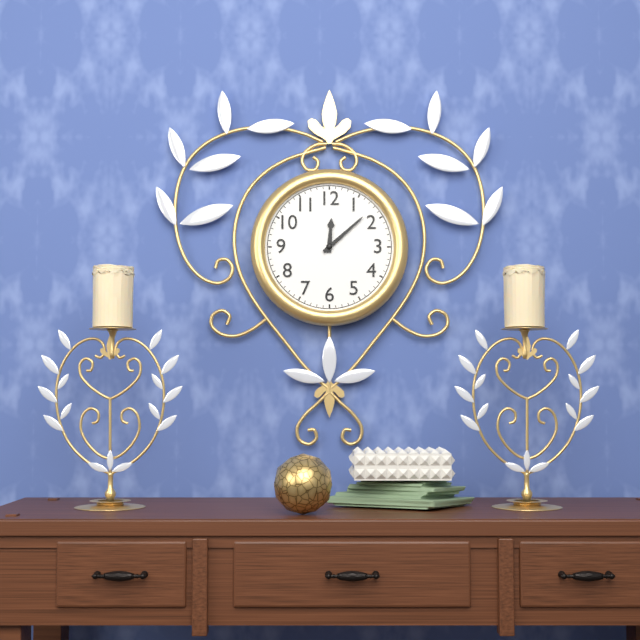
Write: 12,08
